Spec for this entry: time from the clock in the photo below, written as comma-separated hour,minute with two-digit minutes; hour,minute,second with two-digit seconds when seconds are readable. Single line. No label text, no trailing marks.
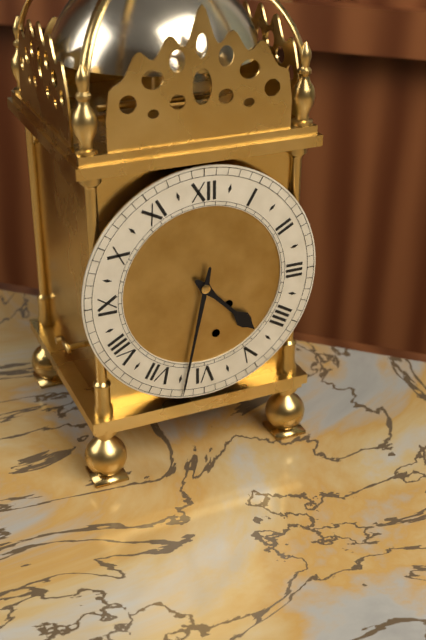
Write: 4,32
